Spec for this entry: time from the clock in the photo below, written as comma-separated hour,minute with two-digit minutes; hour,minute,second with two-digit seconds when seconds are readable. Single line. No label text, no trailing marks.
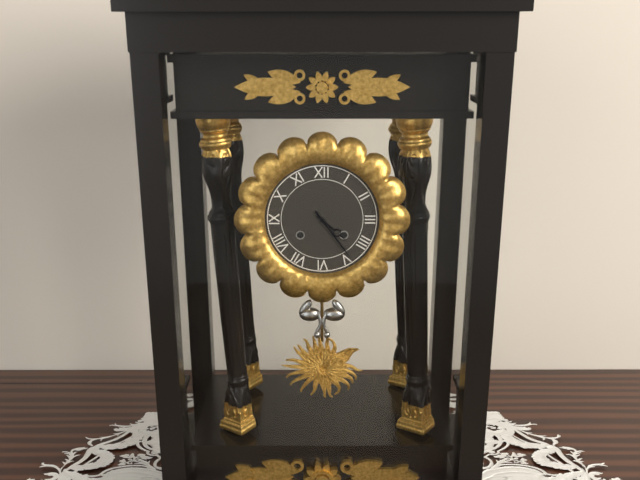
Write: 4,24
